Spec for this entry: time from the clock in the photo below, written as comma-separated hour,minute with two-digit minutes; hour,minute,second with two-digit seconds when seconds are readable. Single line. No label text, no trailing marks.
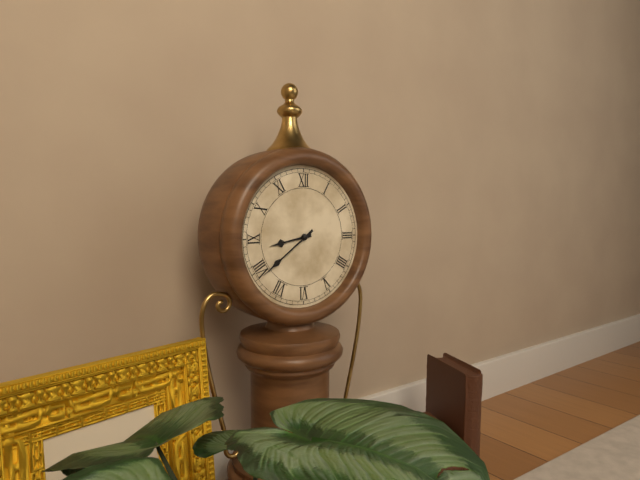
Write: 8,39
